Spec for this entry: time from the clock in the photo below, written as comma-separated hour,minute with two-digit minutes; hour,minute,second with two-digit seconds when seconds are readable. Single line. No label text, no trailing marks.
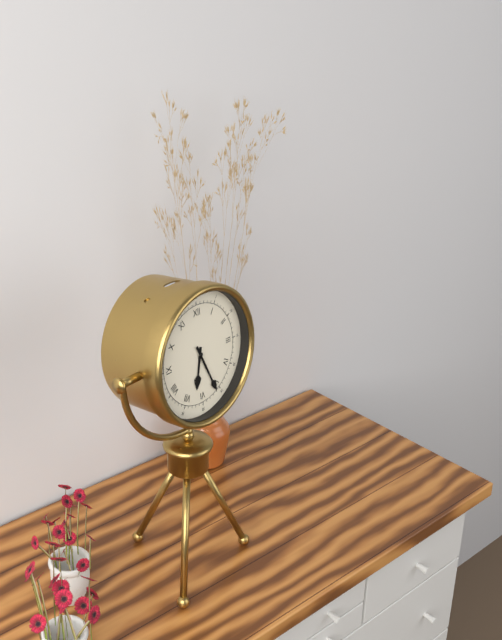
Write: 6,26
